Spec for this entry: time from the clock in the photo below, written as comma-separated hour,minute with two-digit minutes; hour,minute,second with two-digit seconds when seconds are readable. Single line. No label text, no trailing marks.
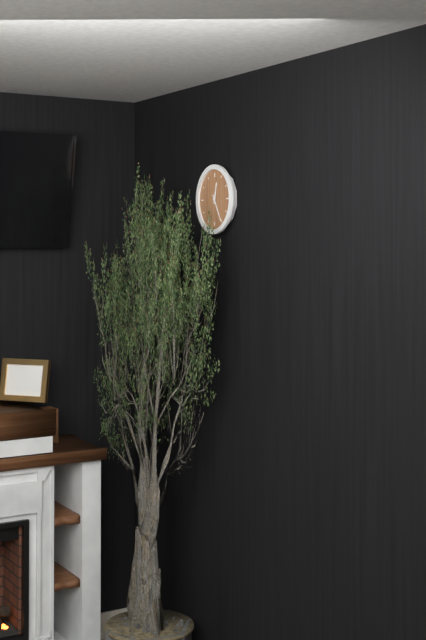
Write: 12,25
